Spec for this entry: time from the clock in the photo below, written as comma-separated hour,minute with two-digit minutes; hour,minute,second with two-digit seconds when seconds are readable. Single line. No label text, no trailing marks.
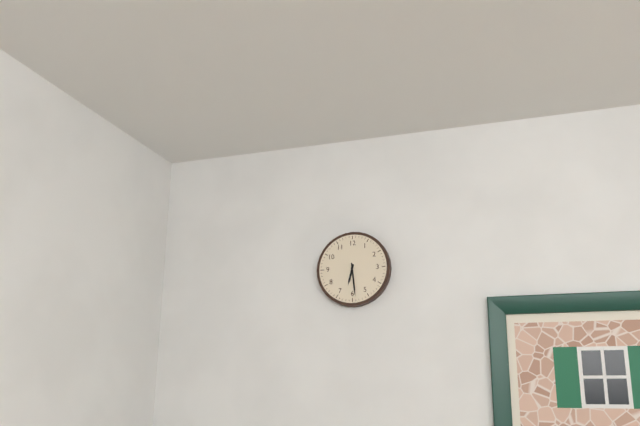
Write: 6,29
